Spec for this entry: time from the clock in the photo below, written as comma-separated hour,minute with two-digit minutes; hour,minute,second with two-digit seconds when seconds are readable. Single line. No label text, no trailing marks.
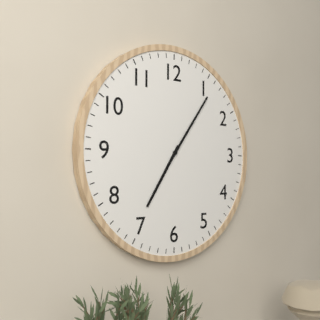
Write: 7,06
